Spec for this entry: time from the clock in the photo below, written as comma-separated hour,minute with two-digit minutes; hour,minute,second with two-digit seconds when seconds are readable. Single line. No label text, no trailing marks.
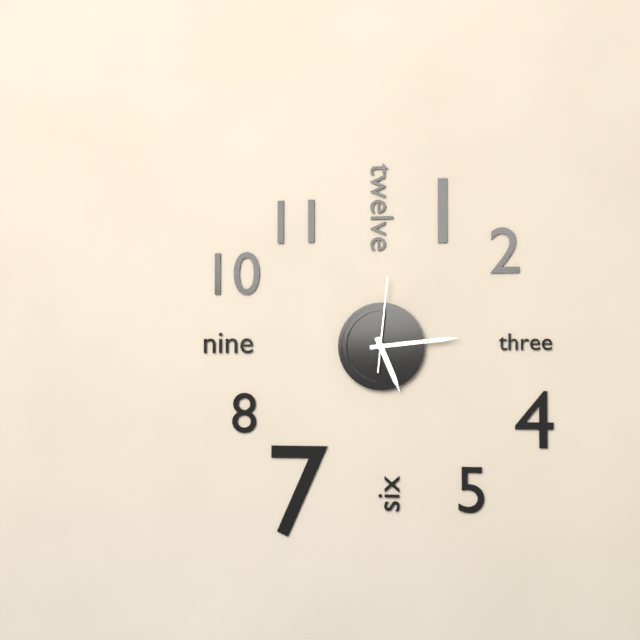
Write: 5,14,01
